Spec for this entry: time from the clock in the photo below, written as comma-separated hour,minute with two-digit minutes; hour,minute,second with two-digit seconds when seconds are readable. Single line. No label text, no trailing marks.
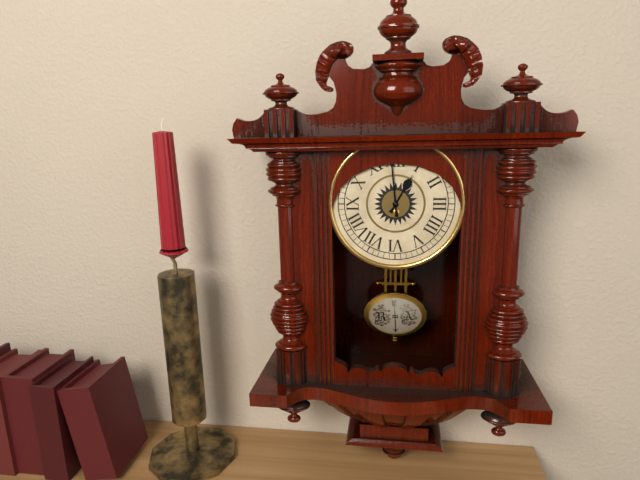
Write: 12,59
